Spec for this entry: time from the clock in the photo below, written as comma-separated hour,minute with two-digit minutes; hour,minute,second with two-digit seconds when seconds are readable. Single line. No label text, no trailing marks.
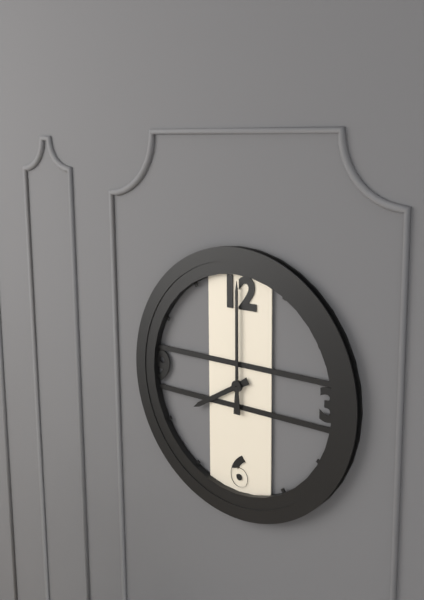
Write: 8,00
